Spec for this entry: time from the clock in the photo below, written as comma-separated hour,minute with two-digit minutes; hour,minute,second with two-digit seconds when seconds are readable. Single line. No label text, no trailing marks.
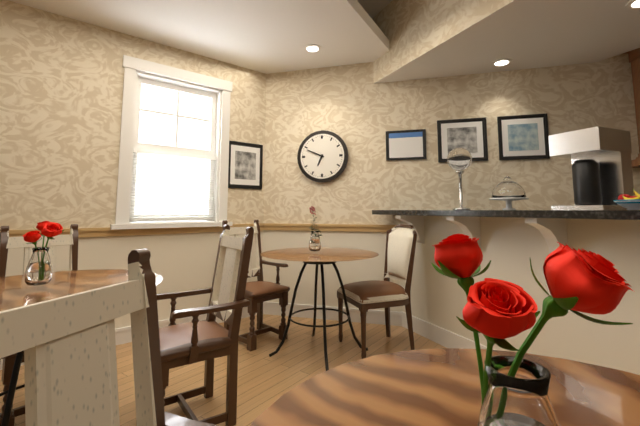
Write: 6,49
